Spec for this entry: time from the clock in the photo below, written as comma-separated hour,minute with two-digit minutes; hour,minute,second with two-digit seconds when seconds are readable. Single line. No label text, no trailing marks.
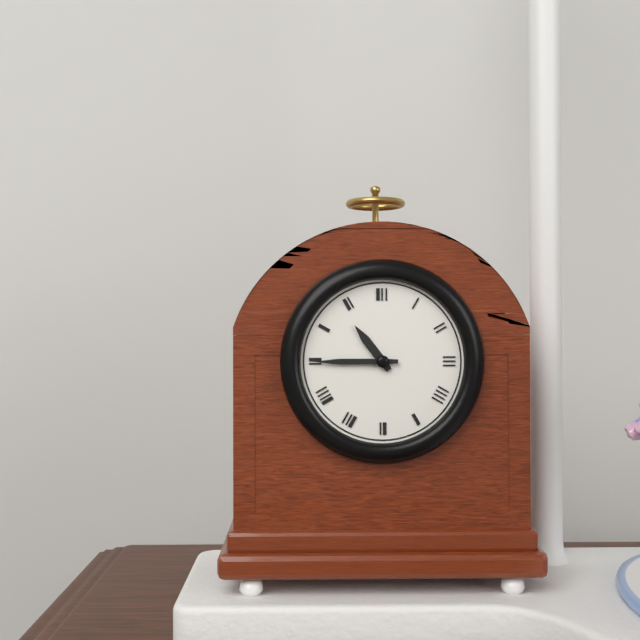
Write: 10,45
